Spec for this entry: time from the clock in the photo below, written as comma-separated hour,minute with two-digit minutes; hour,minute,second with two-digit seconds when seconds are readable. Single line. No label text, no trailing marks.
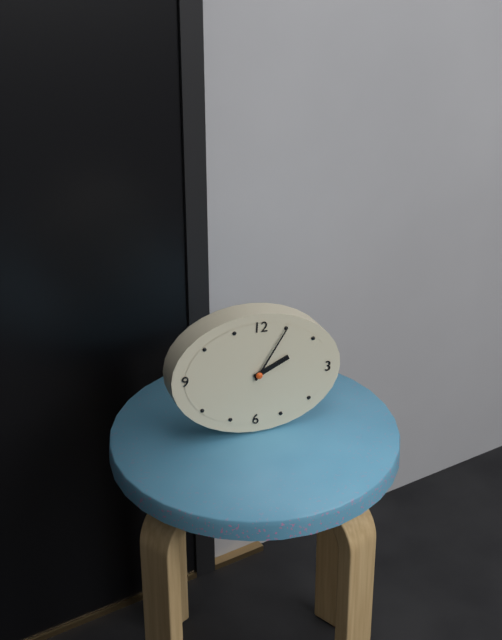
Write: 2,05
